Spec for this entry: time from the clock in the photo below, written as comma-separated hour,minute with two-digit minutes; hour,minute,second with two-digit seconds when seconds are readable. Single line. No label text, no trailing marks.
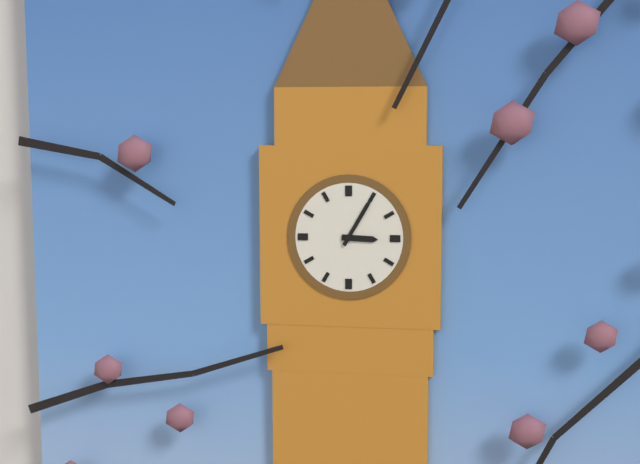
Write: 3,05
